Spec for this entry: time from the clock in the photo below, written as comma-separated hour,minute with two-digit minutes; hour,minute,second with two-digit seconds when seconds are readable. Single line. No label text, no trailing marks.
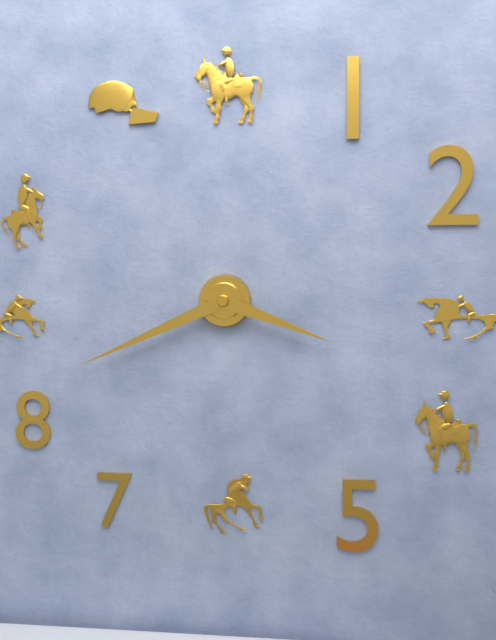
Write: 3,41
